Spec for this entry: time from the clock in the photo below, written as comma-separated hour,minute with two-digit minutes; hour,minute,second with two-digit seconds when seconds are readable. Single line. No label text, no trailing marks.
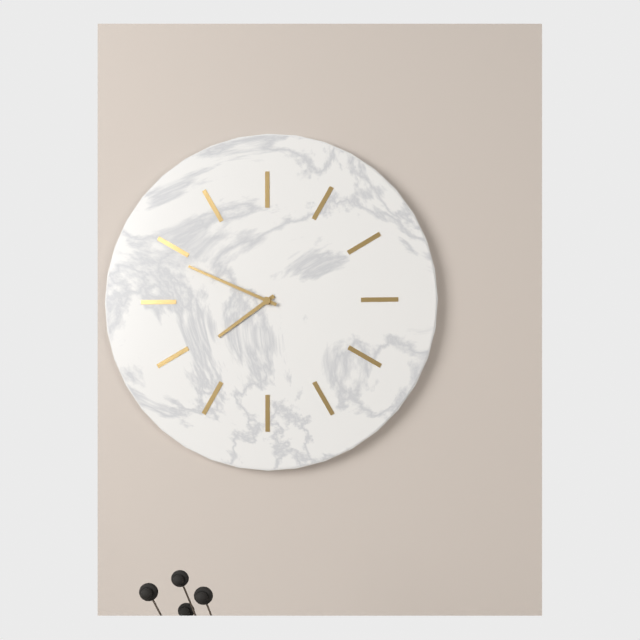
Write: 7,49
